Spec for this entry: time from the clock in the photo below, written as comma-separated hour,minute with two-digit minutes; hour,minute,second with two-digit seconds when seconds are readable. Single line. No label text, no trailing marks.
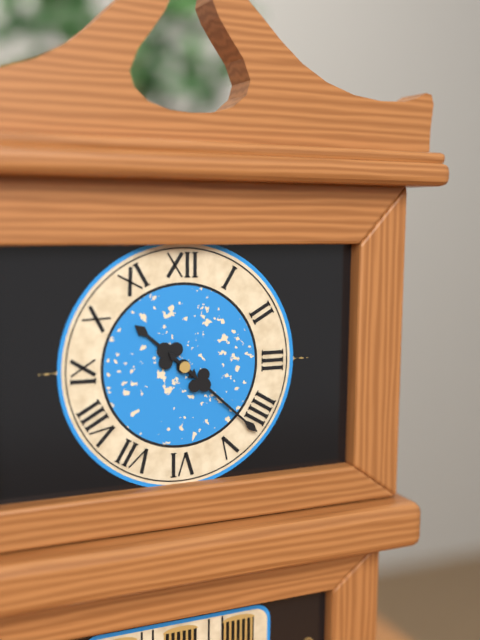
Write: 10,22
